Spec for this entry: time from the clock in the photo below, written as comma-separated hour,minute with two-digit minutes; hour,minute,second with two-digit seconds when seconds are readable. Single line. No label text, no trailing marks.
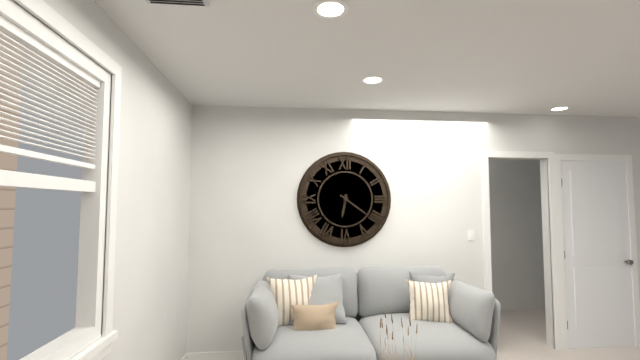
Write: 6,21
